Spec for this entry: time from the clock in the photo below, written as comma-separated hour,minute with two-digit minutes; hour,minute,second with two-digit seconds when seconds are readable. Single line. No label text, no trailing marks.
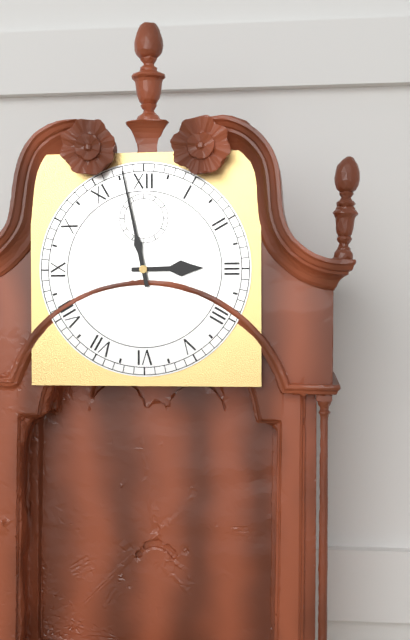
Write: 2,58
